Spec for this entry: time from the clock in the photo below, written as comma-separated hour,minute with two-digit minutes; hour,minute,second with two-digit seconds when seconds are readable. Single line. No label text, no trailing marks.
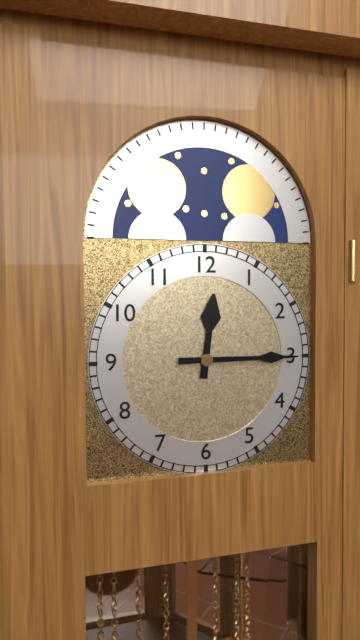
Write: 12,15
